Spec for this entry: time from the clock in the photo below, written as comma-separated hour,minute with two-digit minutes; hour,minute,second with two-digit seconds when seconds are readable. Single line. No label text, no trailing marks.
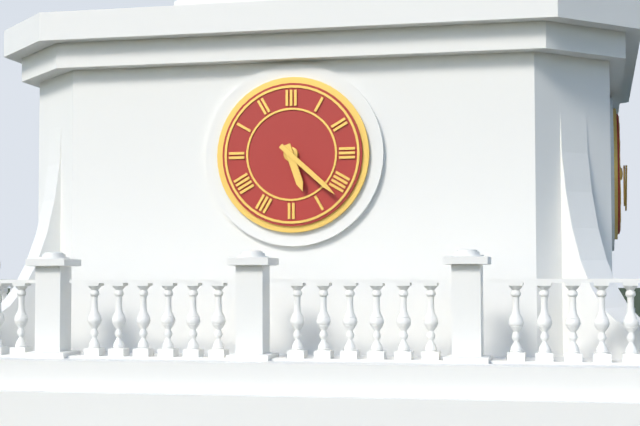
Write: 5,22
